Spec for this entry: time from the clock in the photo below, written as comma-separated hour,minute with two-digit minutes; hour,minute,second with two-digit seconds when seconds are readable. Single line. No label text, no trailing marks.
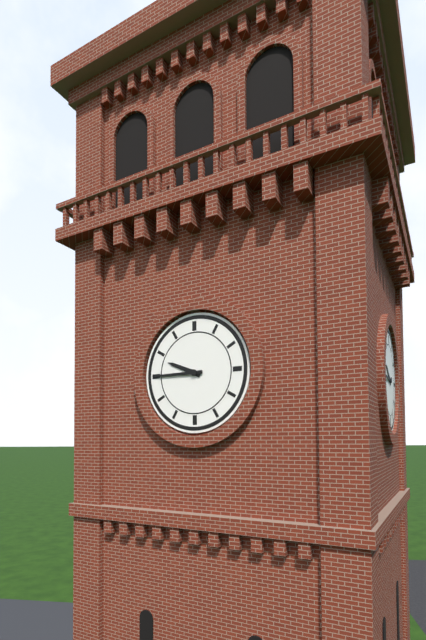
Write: 9,45
